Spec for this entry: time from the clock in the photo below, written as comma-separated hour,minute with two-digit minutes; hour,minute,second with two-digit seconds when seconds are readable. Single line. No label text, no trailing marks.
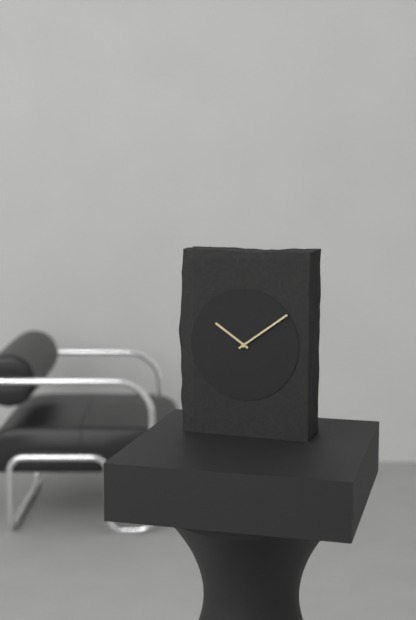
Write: 10,09
